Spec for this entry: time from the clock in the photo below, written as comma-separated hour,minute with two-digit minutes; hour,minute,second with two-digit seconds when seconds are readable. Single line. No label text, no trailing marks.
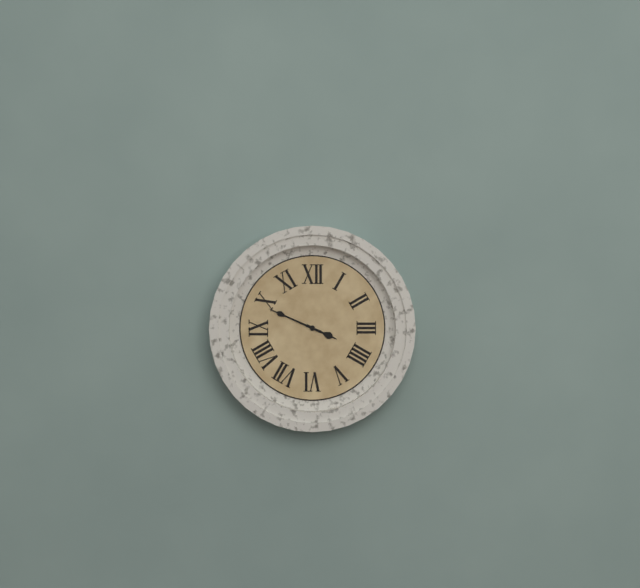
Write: 3,49
